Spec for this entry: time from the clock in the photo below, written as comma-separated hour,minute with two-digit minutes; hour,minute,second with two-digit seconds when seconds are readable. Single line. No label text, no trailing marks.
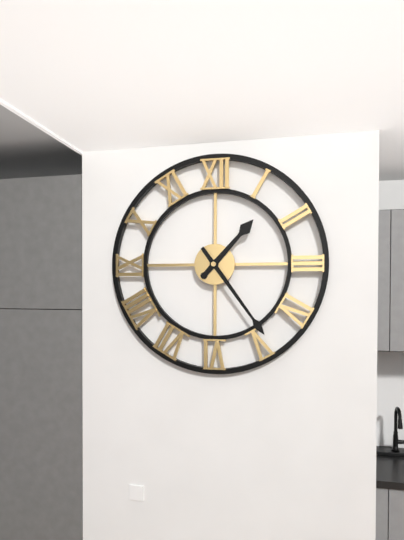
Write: 1,24
